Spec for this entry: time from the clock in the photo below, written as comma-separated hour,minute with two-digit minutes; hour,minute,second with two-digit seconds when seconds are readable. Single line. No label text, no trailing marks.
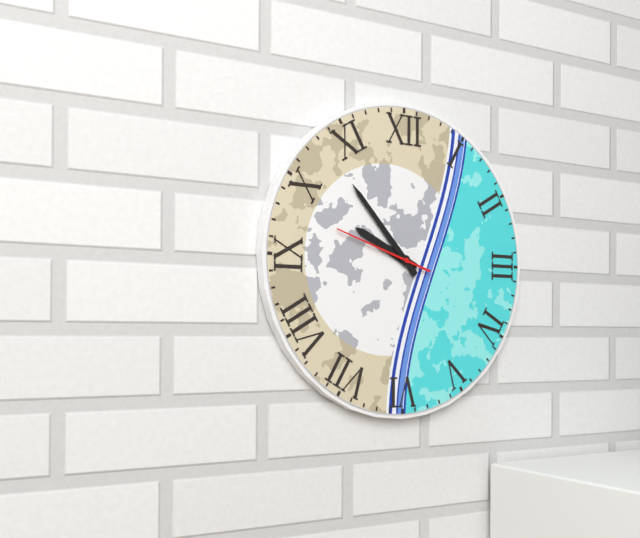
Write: 9,53,48
